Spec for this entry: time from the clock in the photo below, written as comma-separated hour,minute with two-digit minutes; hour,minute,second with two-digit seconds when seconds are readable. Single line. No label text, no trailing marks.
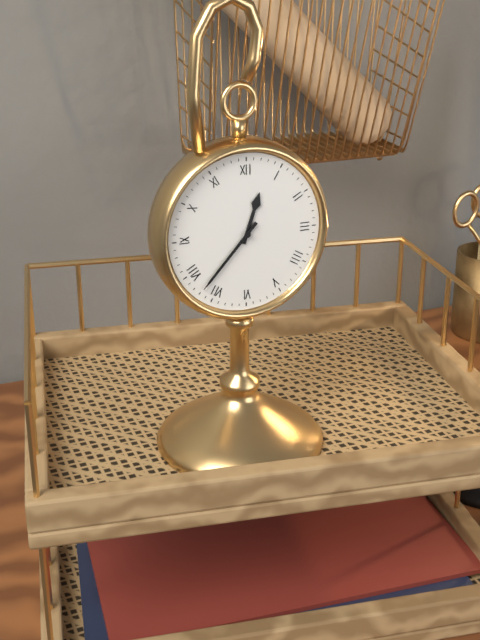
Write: 12,37
